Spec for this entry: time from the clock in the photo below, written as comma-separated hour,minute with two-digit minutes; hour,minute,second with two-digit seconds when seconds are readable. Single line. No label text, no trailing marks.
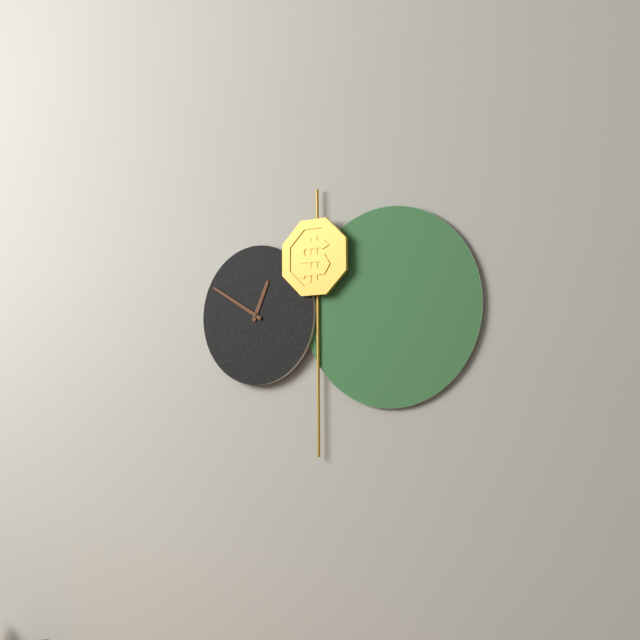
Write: 12,50
